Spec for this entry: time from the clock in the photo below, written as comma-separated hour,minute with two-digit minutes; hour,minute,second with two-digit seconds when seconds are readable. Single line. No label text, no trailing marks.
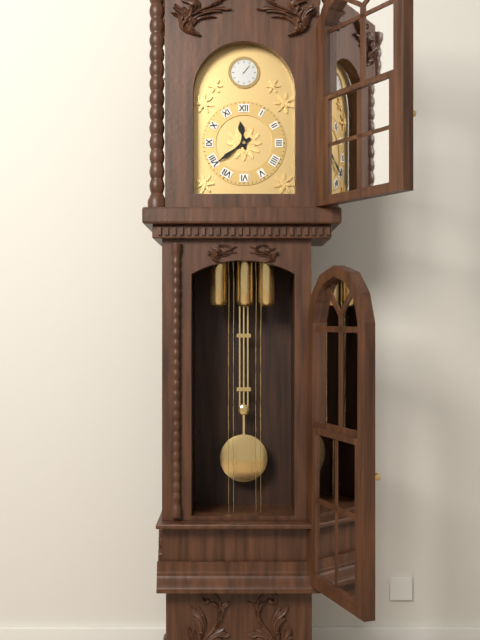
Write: 11,39
